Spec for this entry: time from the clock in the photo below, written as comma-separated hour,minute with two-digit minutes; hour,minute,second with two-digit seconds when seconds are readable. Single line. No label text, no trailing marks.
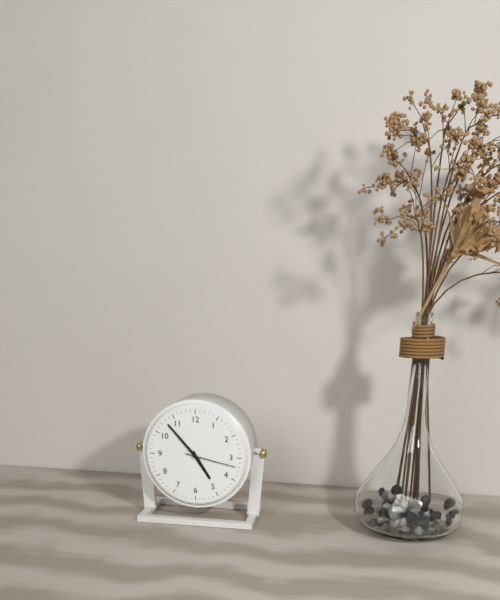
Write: 4,53,17
